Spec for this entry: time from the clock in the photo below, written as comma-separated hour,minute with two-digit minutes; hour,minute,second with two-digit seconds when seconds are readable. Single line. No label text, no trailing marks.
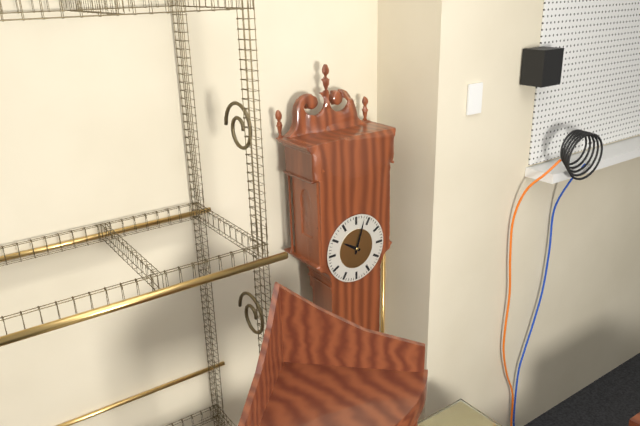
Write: 10,03
